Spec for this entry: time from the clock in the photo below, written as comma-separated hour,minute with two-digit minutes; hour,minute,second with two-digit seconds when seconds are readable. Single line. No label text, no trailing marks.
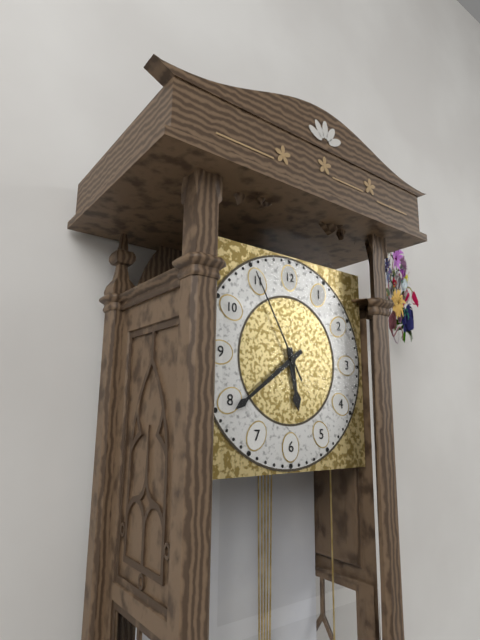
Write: 5,39,55
